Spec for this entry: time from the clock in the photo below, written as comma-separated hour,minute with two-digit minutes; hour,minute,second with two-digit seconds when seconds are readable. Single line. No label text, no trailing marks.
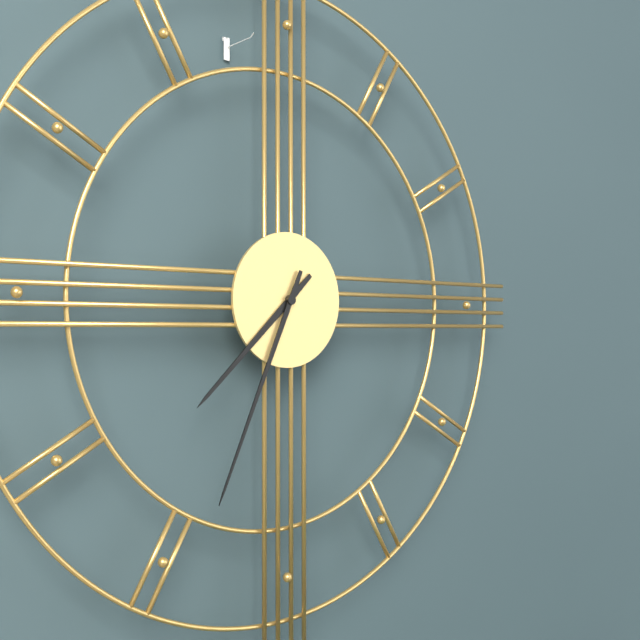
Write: 7,34
